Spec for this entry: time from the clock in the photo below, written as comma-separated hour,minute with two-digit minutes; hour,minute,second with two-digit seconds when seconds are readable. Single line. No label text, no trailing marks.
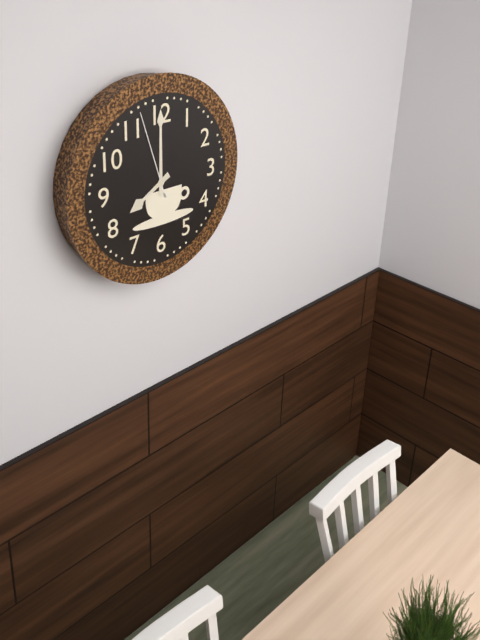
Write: 8,00,57
